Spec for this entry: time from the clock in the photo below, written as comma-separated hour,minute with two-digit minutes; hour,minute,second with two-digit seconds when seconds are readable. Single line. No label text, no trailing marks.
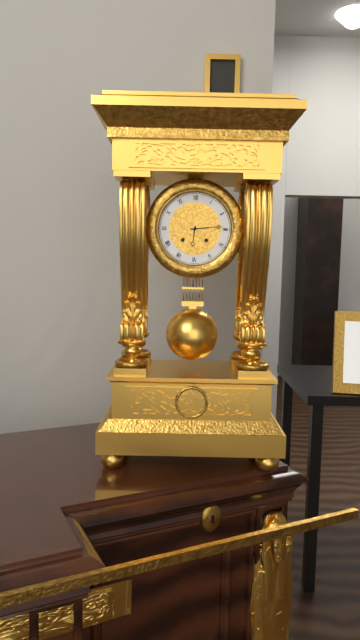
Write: 6,14
